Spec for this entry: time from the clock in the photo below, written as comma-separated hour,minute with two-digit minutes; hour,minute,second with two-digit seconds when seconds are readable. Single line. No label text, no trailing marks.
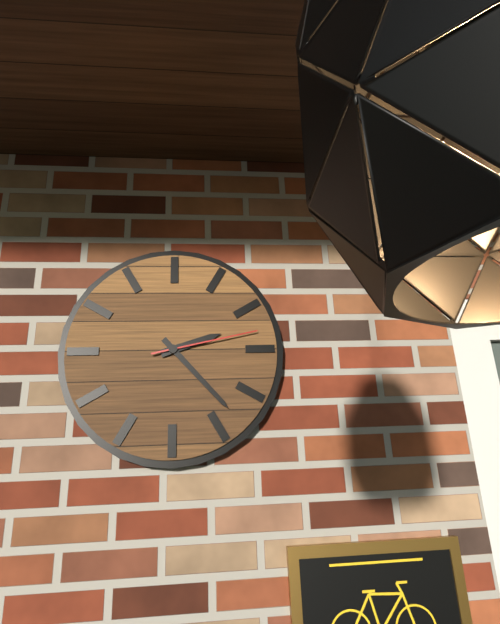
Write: 2,23,13
